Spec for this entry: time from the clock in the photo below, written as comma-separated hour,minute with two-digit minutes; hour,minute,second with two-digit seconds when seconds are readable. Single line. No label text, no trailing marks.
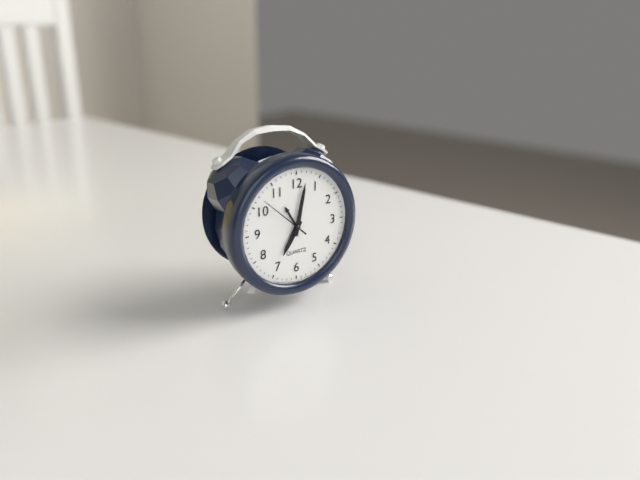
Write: 7,02,52
